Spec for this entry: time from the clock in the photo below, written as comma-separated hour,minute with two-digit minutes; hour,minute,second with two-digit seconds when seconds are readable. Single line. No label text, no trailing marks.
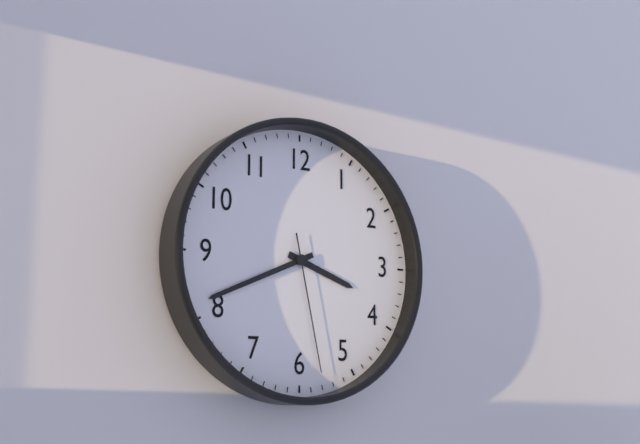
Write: 3,41,28
